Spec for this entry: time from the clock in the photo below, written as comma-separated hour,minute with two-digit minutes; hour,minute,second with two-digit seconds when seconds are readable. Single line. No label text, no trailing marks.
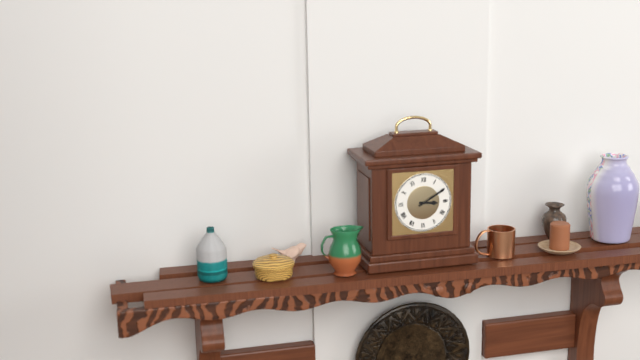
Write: 3,10
